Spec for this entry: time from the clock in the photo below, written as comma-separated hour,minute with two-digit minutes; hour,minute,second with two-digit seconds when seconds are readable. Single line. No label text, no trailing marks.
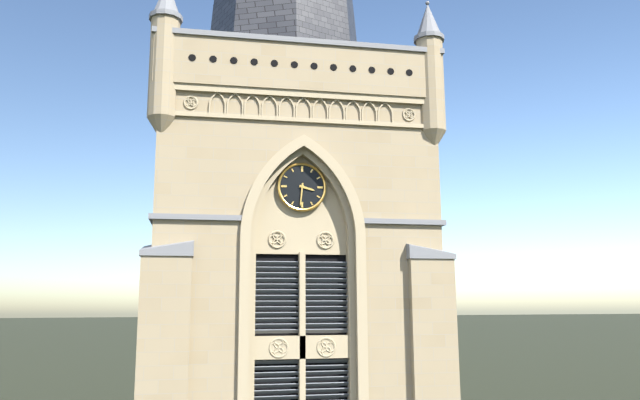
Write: 3,31
